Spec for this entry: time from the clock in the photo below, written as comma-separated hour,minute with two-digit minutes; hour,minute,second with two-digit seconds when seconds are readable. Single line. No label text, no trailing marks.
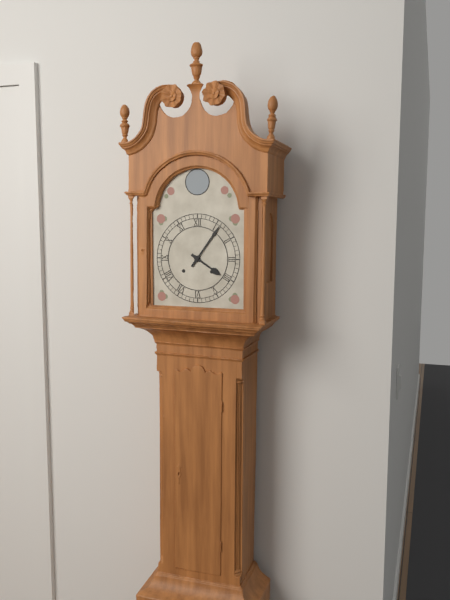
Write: 4,06
